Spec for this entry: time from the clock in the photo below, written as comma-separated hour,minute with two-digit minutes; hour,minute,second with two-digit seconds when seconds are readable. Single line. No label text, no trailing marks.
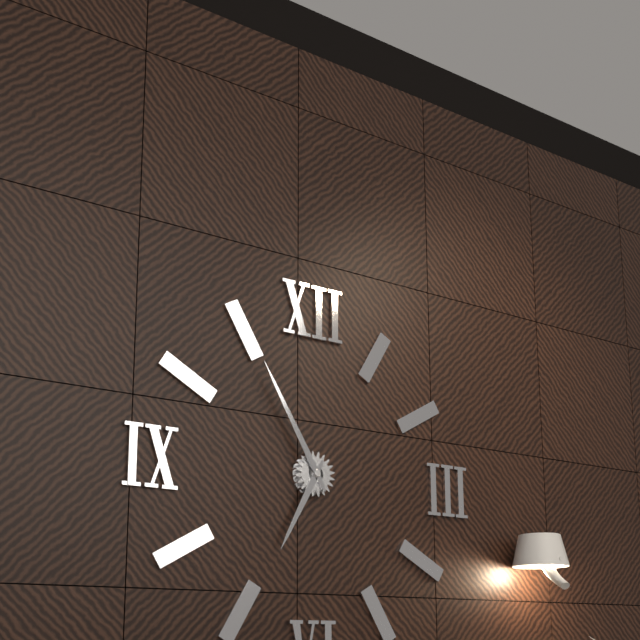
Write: 6,55
